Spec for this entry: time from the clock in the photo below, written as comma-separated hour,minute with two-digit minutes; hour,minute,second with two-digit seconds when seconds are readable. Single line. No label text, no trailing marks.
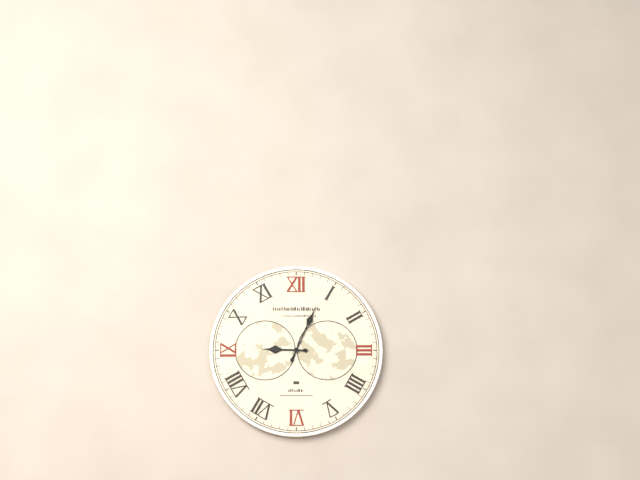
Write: 9,04
